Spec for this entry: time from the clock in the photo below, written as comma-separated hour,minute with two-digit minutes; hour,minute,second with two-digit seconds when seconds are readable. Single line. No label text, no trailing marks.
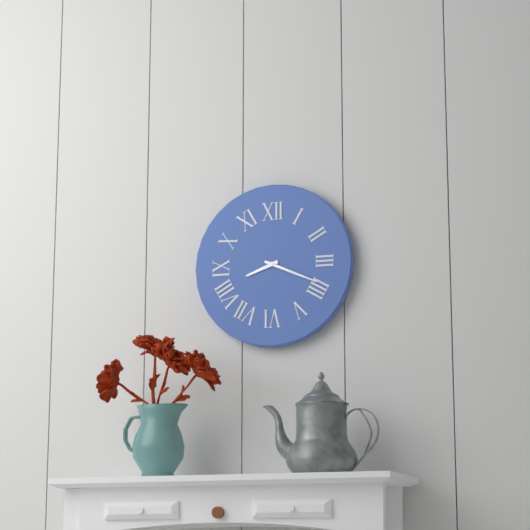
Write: 8,19
